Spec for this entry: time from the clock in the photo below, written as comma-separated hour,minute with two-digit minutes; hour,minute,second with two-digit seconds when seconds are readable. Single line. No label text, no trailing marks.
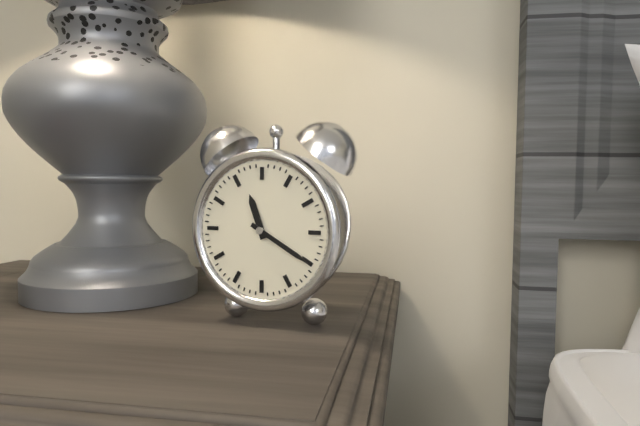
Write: 11,20
